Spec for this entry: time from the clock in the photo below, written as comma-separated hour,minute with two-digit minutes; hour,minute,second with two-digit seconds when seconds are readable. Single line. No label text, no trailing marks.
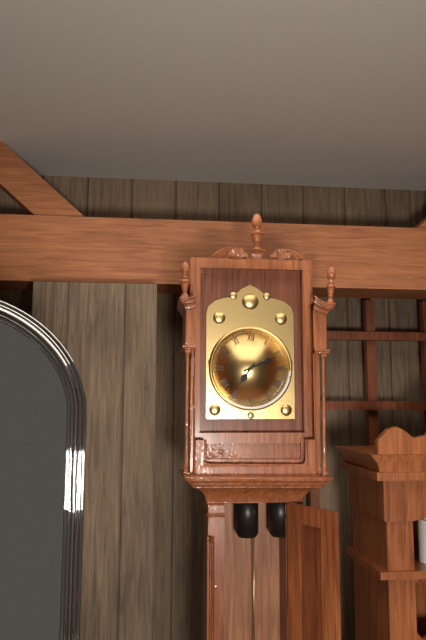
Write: 7,11
